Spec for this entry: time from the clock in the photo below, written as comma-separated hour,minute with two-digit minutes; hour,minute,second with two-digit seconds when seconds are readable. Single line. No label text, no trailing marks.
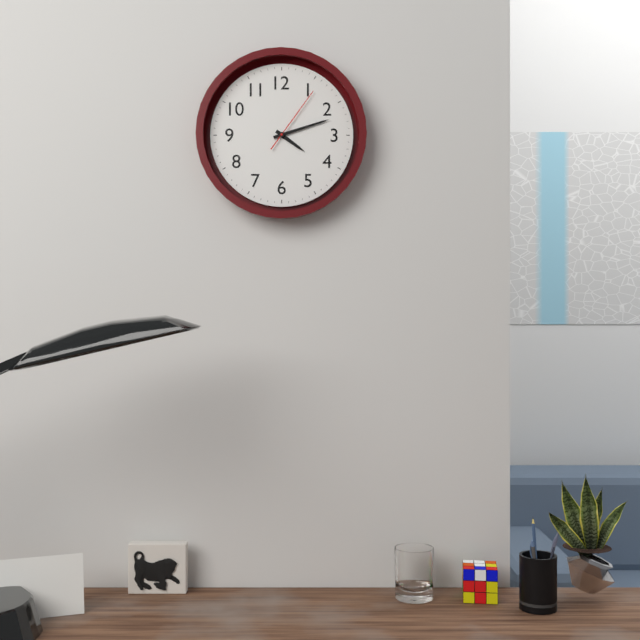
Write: 4,12,06
